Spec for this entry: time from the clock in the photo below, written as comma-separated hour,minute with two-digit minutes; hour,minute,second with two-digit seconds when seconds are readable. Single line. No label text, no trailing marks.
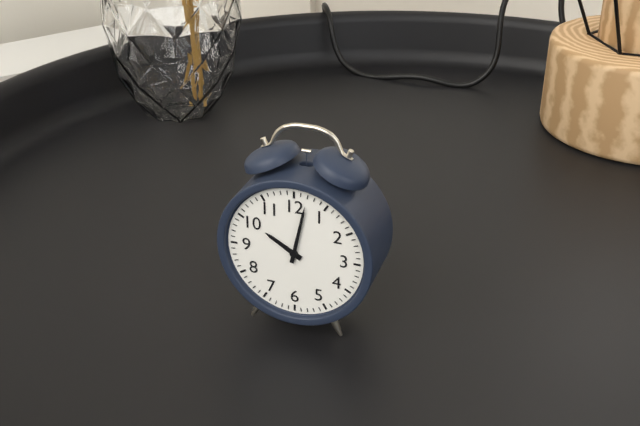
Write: 10,02
